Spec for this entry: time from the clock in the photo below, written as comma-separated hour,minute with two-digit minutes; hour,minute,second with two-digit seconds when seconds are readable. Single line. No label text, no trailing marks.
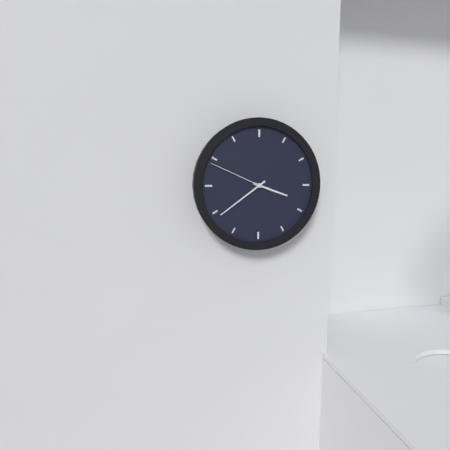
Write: 3,39,49
